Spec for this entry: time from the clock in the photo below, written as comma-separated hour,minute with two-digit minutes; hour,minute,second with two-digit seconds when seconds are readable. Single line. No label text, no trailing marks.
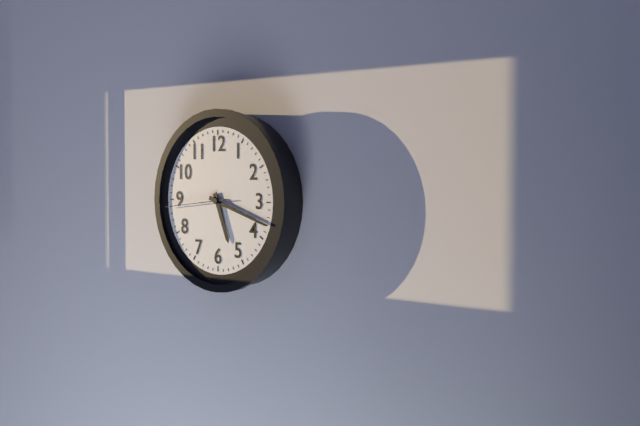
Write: 5,18,44
